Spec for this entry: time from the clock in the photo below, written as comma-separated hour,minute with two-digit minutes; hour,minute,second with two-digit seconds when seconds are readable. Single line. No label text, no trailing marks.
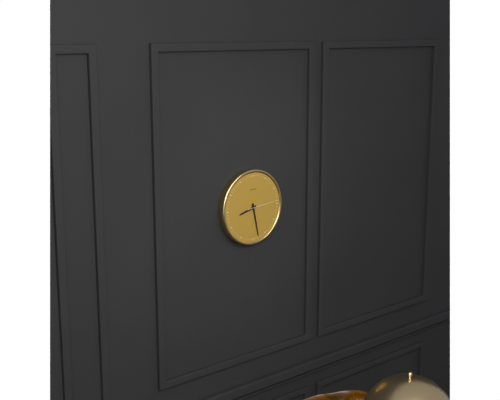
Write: 8,28
